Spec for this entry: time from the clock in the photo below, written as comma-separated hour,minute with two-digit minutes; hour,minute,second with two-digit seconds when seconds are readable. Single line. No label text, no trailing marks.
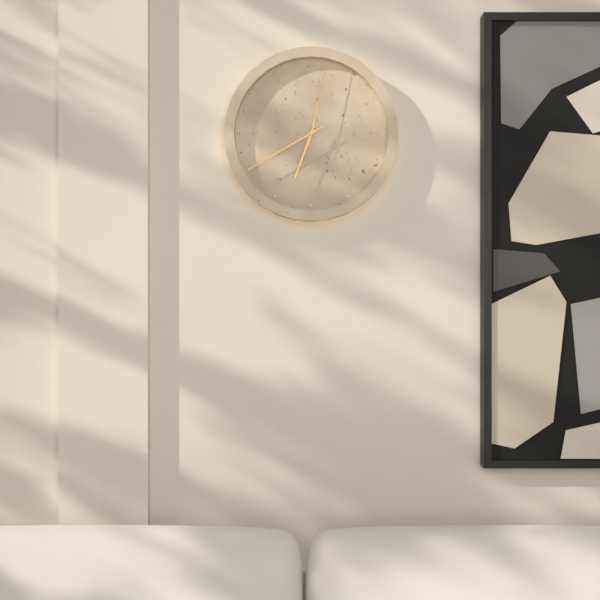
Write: 6,40,02
